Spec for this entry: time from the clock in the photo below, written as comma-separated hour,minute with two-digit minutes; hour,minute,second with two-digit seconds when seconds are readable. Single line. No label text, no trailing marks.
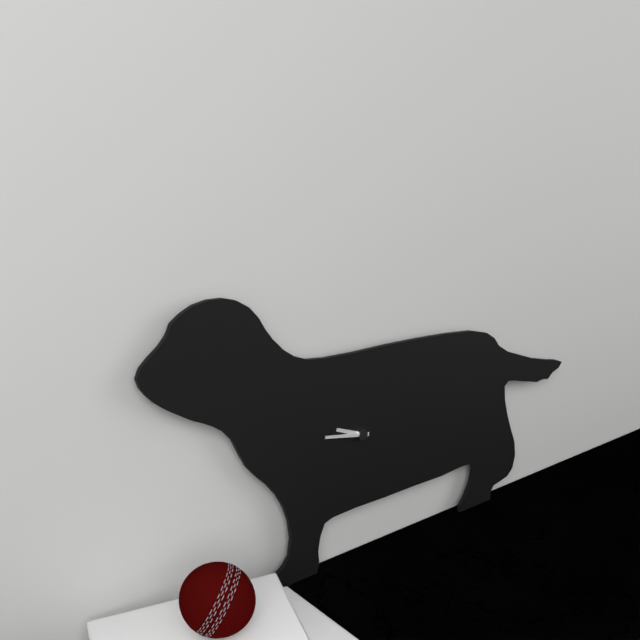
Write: 9,47
